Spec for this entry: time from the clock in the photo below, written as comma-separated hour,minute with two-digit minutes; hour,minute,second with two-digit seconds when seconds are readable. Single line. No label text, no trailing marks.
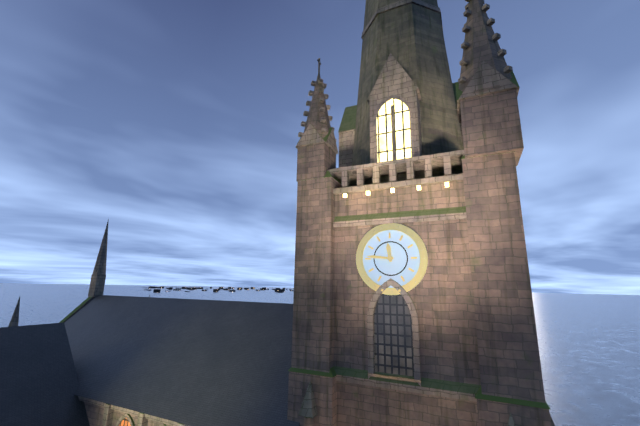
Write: 11,46
